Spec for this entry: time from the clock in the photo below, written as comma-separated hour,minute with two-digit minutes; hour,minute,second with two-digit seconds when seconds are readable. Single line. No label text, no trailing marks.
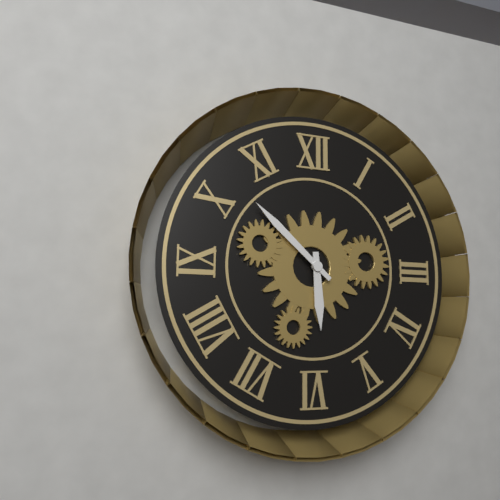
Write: 5,52
